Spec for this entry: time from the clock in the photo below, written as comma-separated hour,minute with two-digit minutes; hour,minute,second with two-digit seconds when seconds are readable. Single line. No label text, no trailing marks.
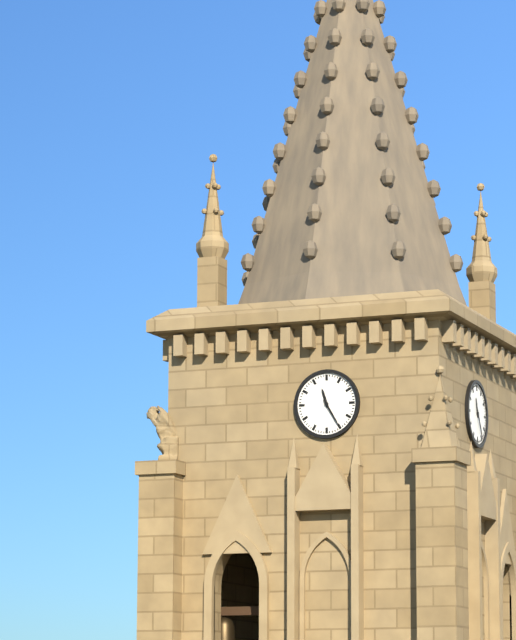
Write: 11,25
